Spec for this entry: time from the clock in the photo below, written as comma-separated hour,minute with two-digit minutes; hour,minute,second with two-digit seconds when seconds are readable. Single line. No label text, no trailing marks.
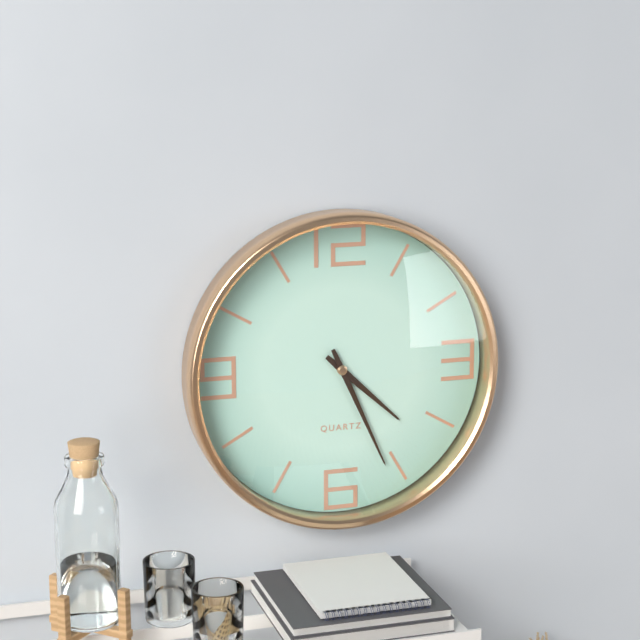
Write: 4,26
